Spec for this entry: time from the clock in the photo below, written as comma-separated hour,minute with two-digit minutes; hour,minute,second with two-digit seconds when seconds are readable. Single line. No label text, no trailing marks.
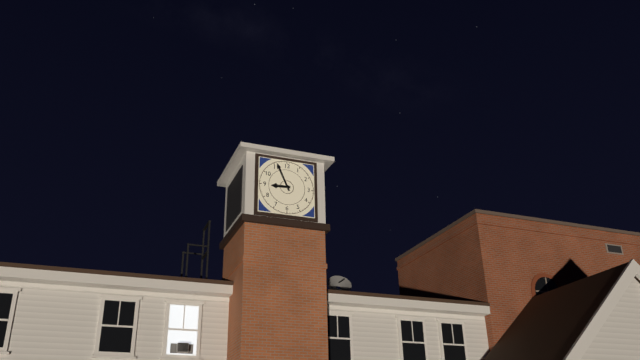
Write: 8,56
